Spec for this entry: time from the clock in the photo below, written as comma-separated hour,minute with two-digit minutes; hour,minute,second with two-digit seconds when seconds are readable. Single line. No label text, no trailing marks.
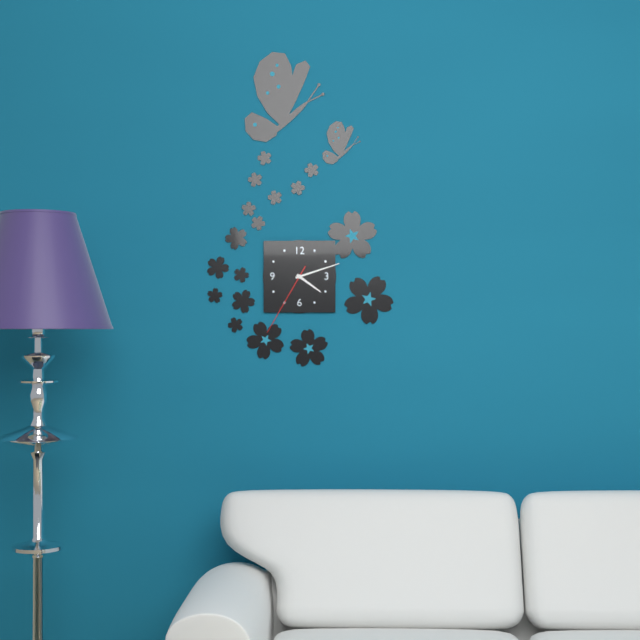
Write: 4,12,35
